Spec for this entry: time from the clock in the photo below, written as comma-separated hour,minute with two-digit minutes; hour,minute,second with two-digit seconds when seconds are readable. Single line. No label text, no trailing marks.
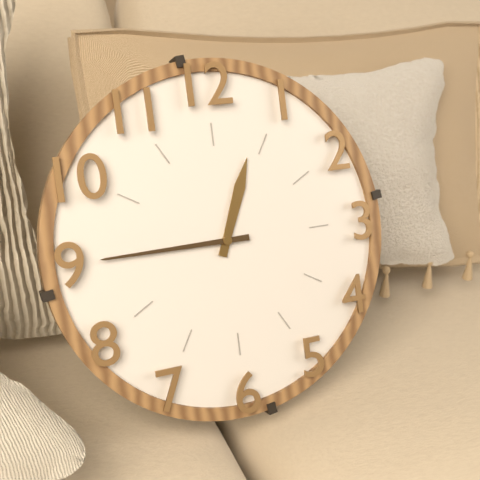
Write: 12,45
